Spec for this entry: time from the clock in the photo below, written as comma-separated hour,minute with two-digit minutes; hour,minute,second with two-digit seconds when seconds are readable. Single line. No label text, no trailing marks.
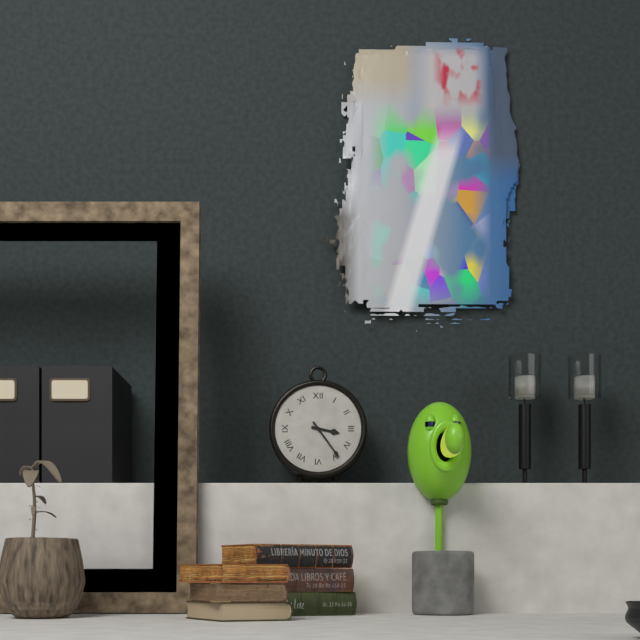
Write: 3,24
